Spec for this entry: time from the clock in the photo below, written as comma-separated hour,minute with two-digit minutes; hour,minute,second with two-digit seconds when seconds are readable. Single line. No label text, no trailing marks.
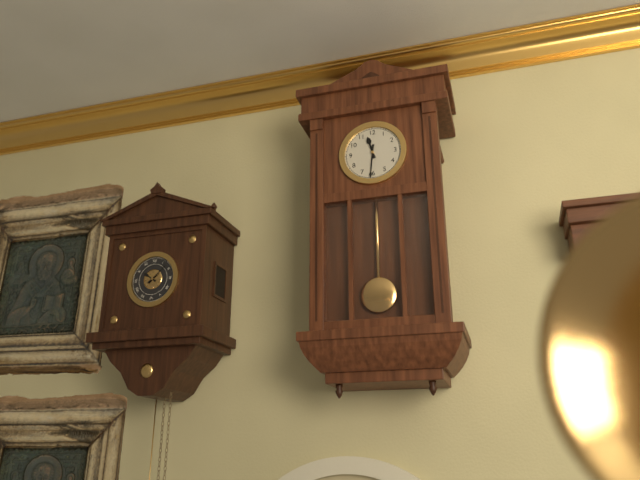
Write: 11,31
